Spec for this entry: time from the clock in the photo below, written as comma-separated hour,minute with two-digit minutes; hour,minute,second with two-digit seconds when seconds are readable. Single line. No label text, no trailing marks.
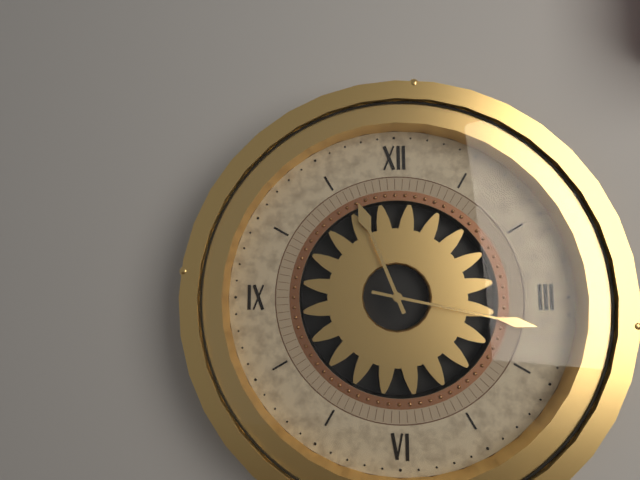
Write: 11,17
